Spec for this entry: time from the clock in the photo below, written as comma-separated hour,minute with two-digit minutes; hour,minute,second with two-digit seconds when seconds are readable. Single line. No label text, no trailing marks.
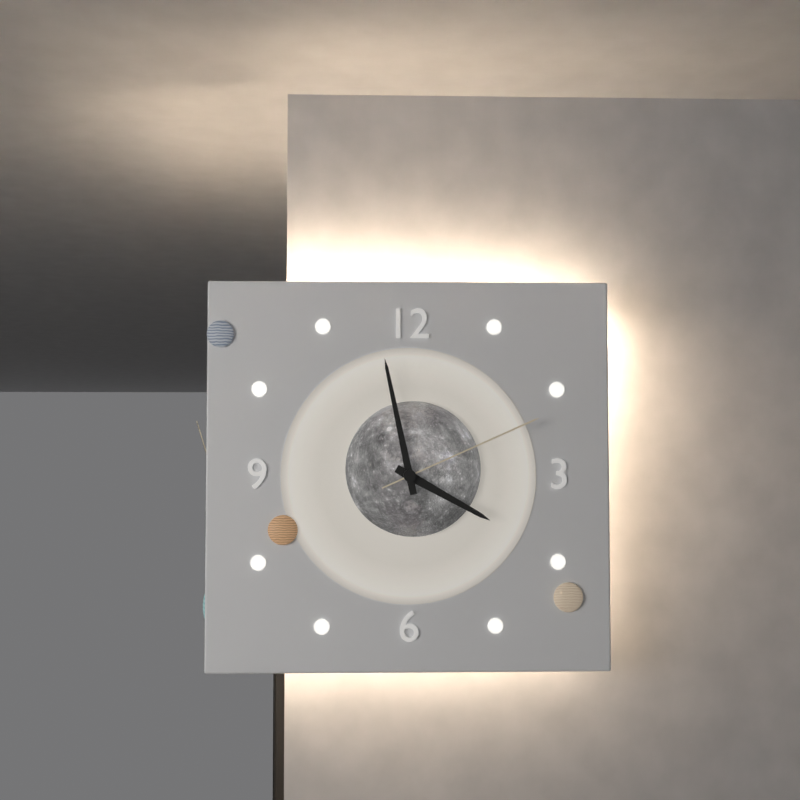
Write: 3,58,11
